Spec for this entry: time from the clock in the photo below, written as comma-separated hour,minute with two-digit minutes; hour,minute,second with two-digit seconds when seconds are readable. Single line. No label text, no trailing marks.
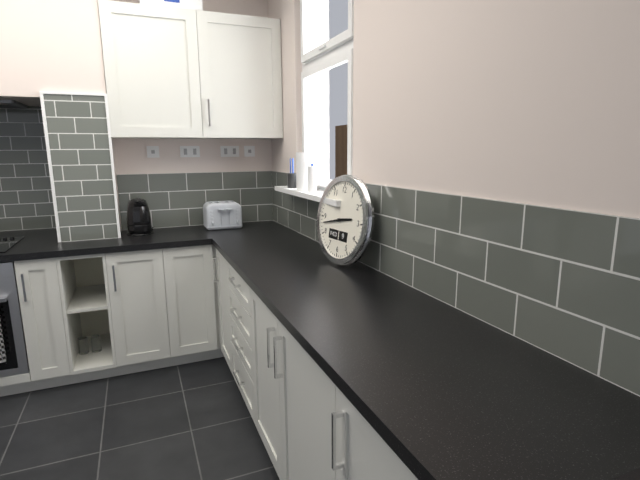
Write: 2,43
